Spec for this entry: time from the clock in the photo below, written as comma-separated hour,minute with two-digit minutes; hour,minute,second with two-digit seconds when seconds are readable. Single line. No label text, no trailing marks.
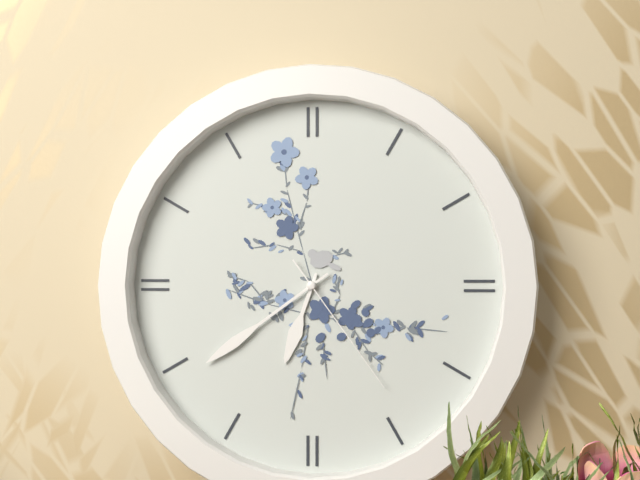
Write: 6,39,24
